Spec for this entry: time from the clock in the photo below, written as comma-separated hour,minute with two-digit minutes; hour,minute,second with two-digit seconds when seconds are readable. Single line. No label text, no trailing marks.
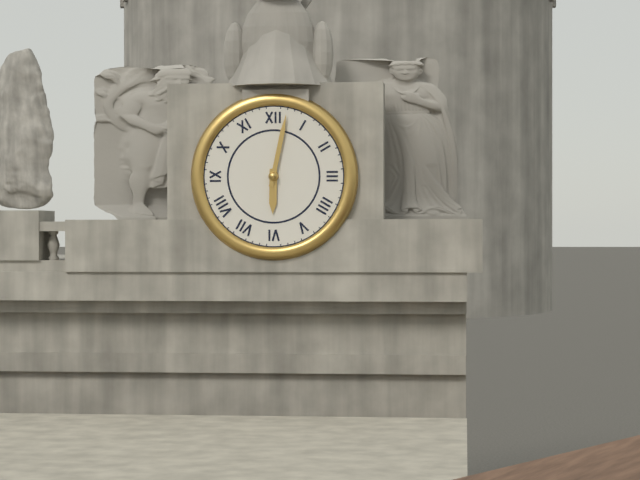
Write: 6,02
